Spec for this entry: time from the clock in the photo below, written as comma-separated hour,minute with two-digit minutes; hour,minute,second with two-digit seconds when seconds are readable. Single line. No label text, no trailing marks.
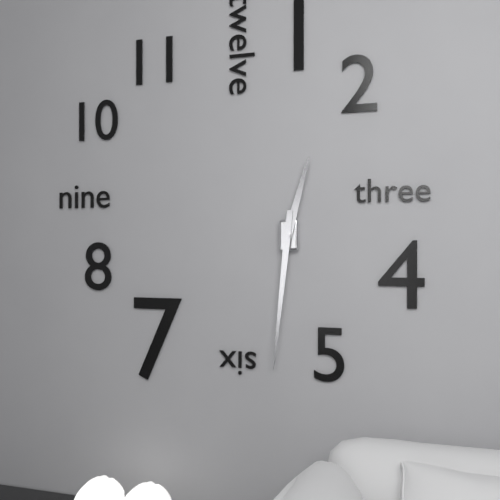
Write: 12,31
